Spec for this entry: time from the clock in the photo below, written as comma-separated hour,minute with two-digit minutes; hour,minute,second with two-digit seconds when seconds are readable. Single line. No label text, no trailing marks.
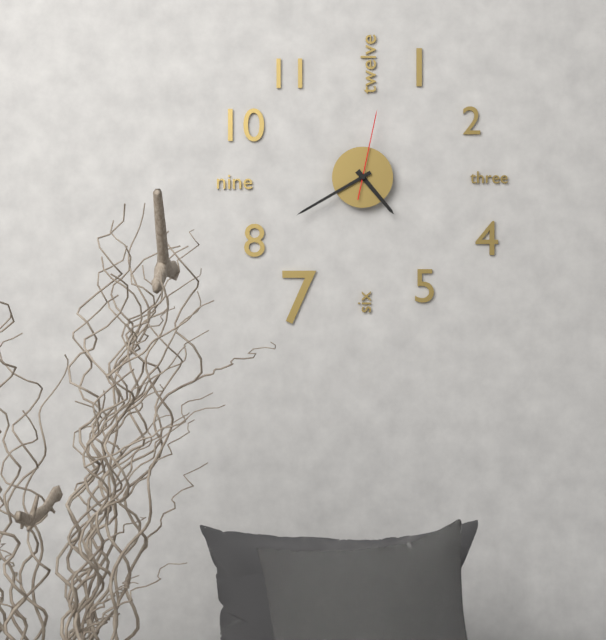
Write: 4,40,02
